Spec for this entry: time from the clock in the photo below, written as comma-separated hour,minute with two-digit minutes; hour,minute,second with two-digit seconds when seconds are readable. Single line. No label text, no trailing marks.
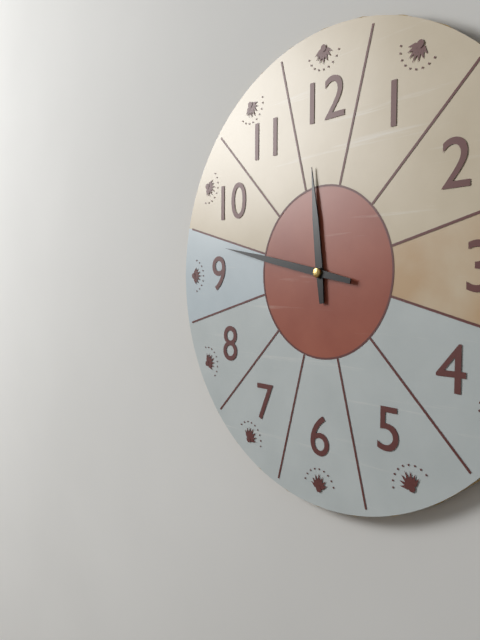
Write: 11,47
